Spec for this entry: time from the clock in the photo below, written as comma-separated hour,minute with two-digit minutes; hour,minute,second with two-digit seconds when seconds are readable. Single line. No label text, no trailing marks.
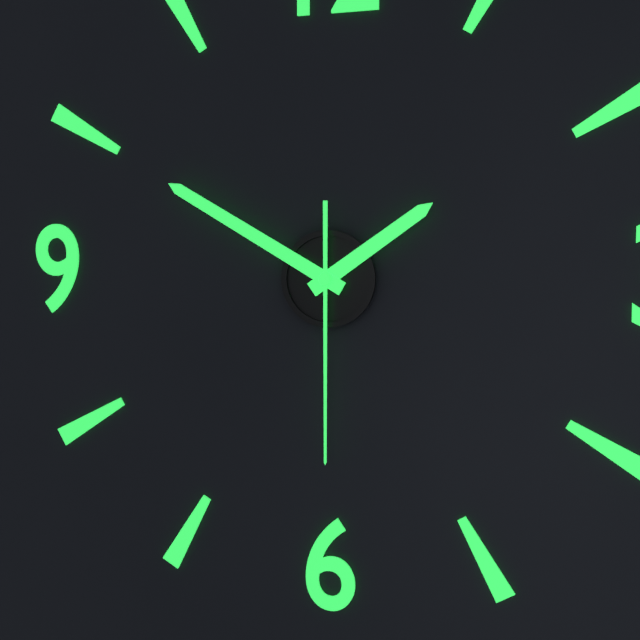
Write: 1,50,30
